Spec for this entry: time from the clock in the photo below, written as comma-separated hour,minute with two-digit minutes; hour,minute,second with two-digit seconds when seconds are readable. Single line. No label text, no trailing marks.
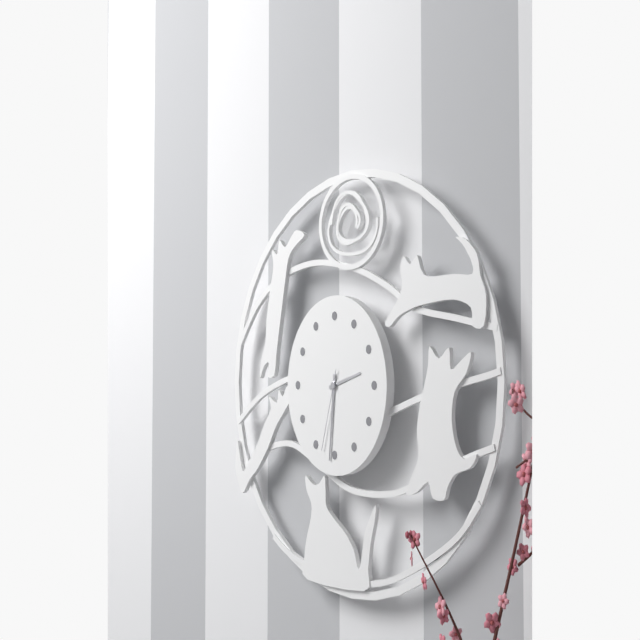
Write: 2,31,33
